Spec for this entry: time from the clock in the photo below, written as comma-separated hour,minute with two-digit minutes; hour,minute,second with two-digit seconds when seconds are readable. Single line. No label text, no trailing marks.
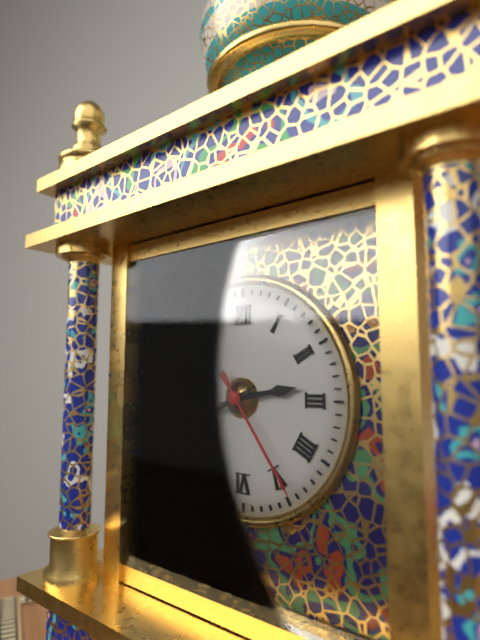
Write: 2,41,24
